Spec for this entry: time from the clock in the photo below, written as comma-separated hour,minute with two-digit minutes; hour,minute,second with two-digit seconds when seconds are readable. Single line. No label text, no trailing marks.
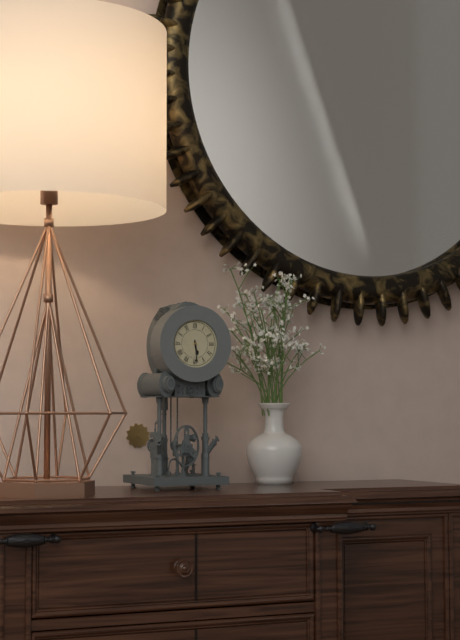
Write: 5,29
